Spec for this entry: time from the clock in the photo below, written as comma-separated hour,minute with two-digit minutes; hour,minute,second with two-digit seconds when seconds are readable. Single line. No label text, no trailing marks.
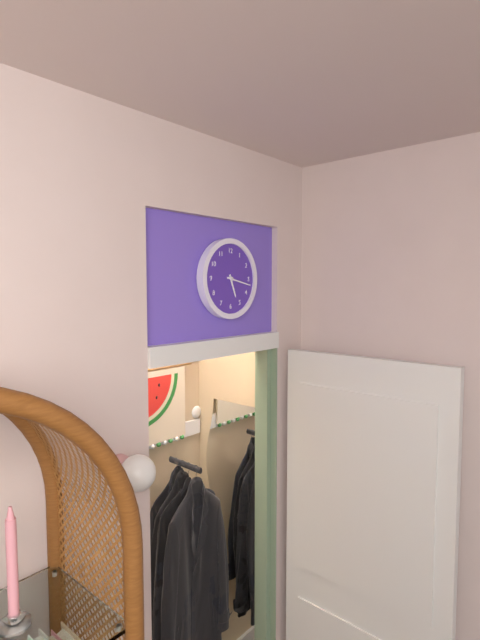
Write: 5,17
